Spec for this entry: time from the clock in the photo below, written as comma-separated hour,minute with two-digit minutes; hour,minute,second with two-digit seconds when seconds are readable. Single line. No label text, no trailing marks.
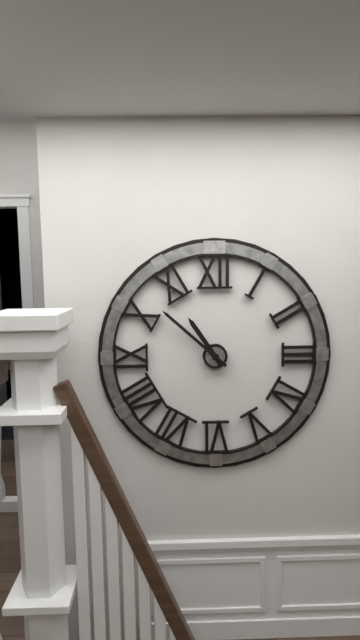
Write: 10,52
